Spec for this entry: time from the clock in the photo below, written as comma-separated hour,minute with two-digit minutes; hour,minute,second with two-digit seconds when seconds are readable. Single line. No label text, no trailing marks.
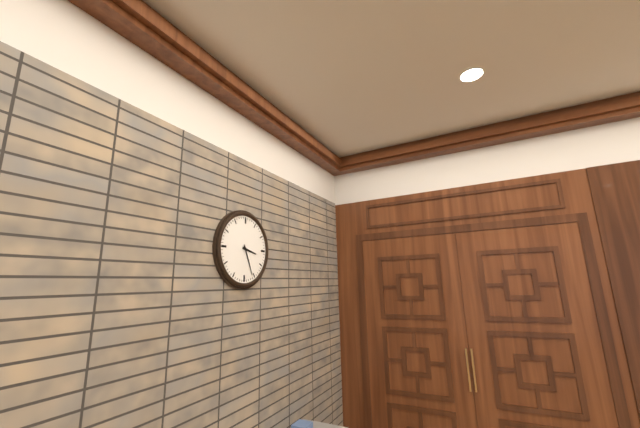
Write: 3,26
